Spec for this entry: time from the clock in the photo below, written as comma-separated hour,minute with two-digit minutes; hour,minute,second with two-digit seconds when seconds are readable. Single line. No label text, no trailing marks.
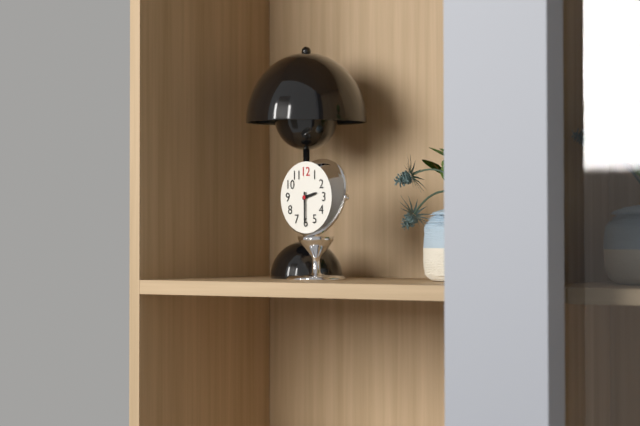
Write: 2,30
